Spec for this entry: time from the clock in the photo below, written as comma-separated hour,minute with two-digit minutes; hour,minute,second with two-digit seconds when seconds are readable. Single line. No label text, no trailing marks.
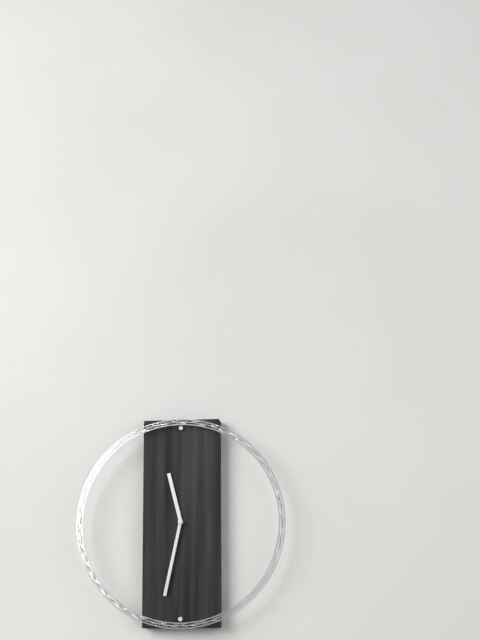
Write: 11,32
